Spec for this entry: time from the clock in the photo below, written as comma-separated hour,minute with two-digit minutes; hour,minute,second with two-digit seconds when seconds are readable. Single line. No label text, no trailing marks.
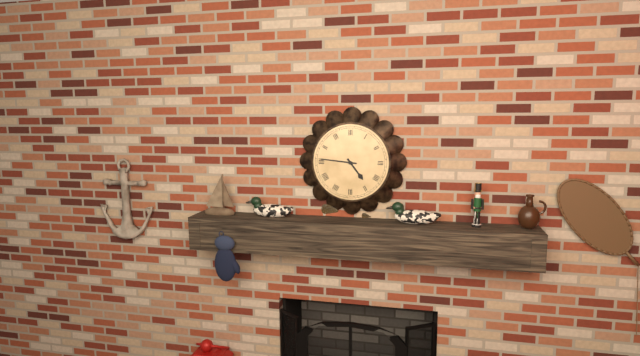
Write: 4,46
